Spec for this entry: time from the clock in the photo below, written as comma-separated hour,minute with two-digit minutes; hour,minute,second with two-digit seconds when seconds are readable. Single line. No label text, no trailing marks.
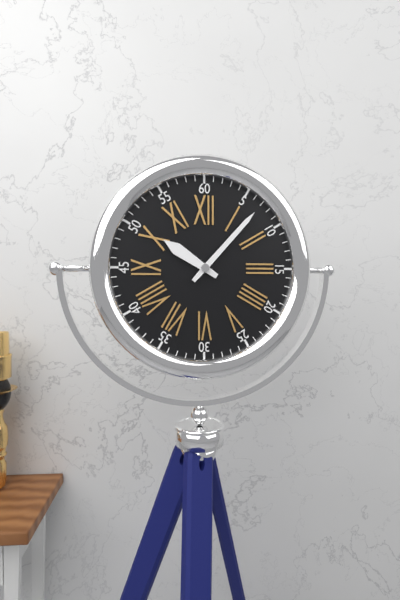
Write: 10,07
